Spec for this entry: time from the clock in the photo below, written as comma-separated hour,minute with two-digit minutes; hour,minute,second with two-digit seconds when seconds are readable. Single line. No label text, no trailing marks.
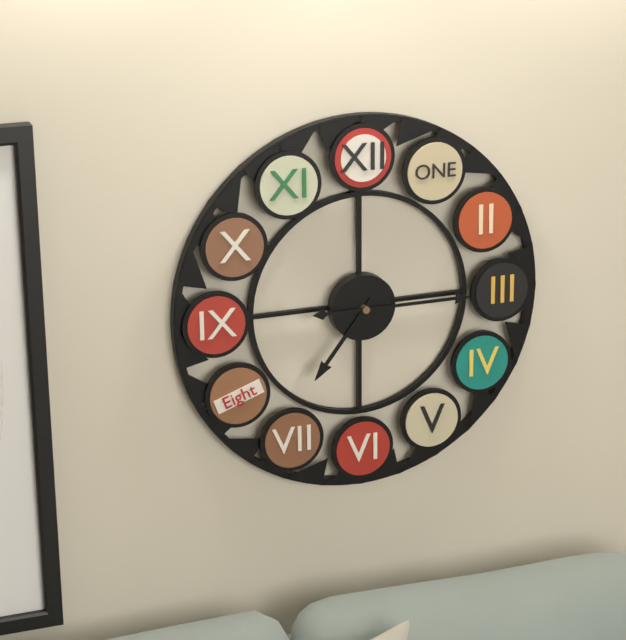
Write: 7,15
